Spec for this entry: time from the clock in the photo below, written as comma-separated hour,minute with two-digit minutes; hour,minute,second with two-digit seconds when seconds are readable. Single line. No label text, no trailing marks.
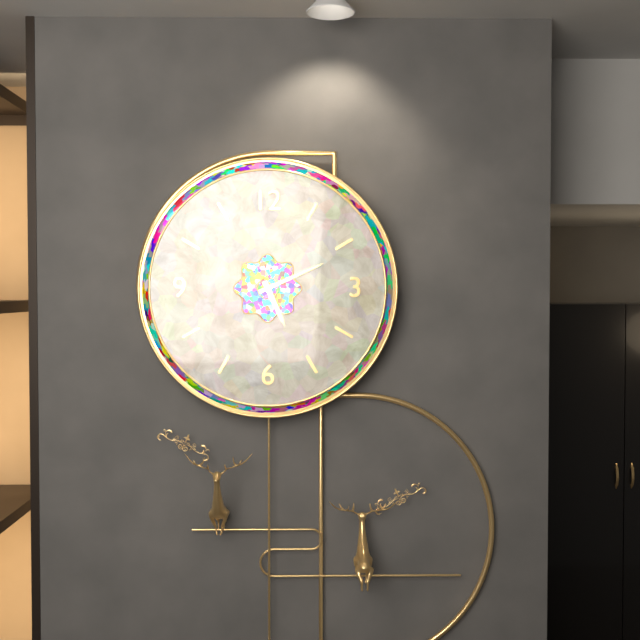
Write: 5,11
